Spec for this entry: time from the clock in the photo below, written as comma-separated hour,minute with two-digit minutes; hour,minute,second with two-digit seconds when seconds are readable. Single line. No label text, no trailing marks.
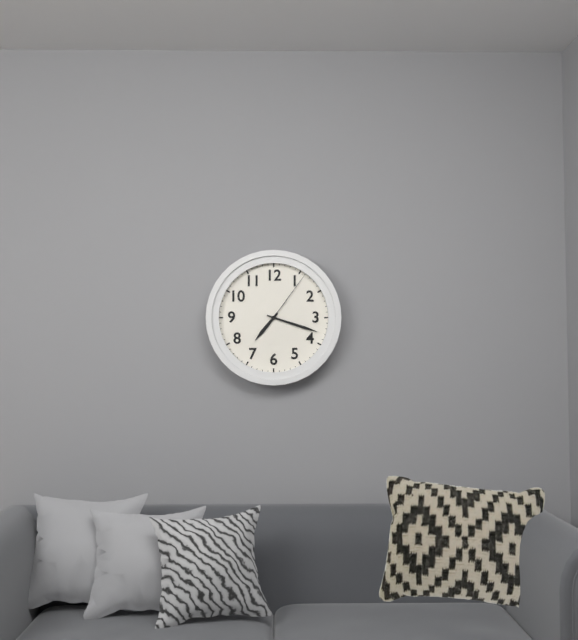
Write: 7,18,06
